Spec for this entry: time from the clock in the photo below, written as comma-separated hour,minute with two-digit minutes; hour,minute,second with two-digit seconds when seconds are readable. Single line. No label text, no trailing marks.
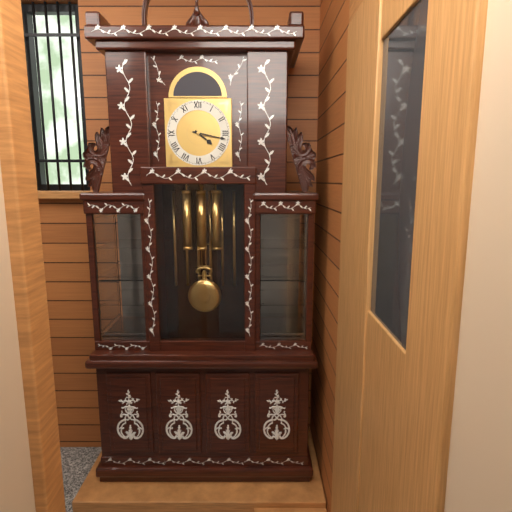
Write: 4,17
